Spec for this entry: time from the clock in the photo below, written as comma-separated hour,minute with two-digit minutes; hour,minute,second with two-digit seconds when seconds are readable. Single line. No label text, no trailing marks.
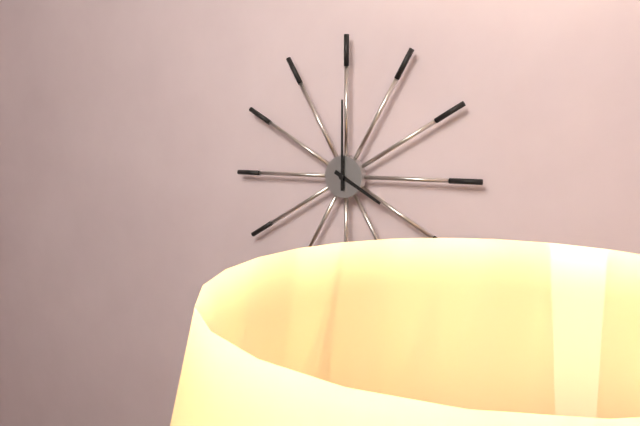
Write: 4,00
